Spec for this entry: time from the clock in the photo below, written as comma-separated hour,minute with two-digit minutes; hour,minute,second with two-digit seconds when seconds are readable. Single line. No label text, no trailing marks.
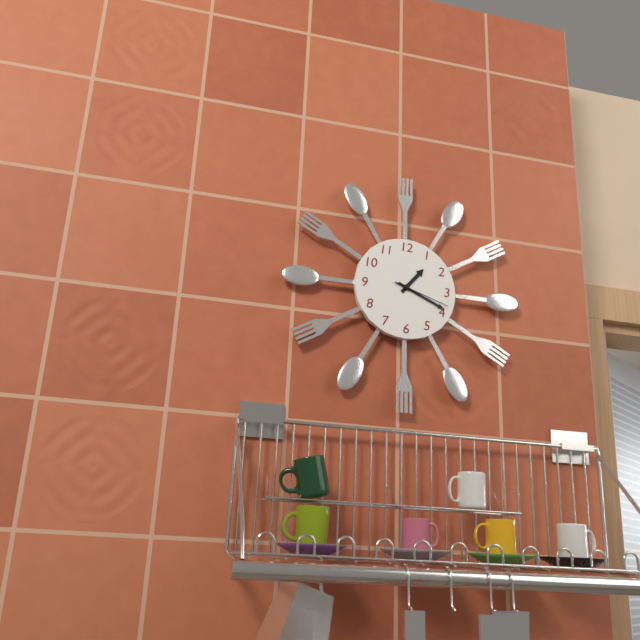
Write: 1,19,18
